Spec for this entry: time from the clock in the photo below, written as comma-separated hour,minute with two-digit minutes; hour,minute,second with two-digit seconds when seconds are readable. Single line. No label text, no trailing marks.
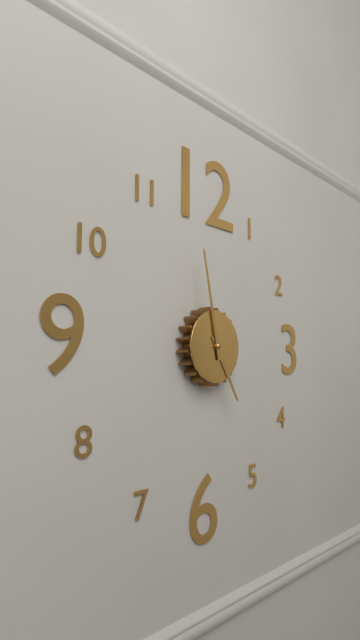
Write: 4,58
